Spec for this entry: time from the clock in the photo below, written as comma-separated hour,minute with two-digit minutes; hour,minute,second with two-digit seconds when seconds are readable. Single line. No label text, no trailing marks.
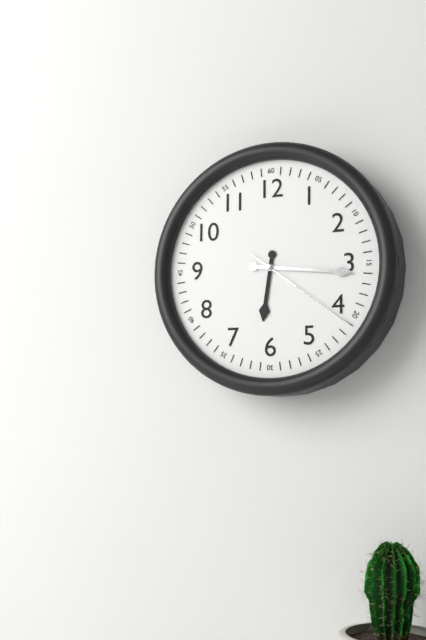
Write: 6,16,21
